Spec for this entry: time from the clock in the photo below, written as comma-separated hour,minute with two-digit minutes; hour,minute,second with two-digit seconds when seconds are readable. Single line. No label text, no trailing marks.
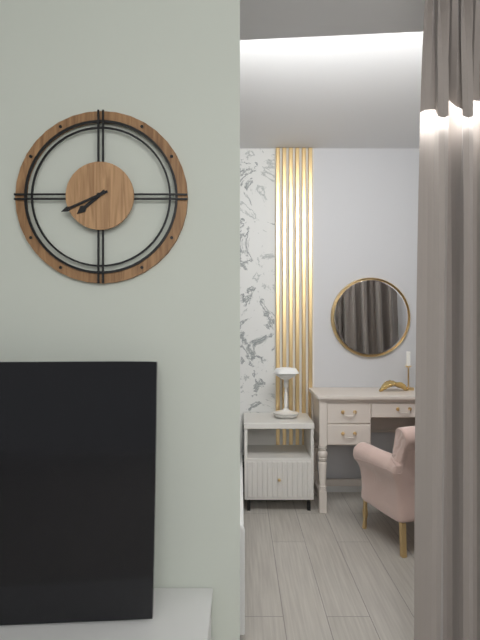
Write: 7,41
